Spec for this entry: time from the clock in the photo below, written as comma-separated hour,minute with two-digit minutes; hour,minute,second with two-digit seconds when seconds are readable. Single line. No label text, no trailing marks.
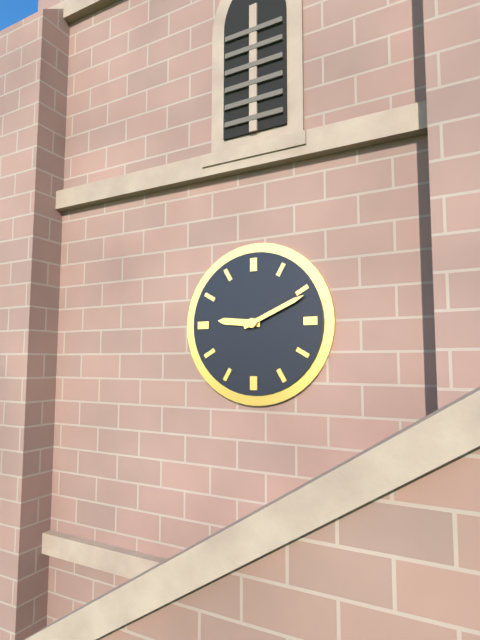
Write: 9,11
